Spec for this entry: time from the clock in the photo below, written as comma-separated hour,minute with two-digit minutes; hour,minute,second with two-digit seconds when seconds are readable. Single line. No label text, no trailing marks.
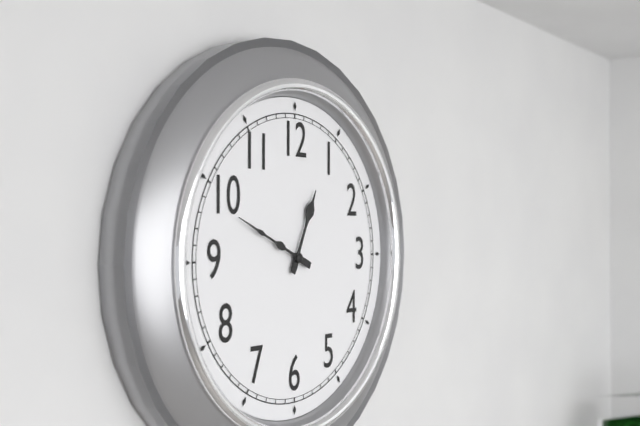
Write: 12,49
